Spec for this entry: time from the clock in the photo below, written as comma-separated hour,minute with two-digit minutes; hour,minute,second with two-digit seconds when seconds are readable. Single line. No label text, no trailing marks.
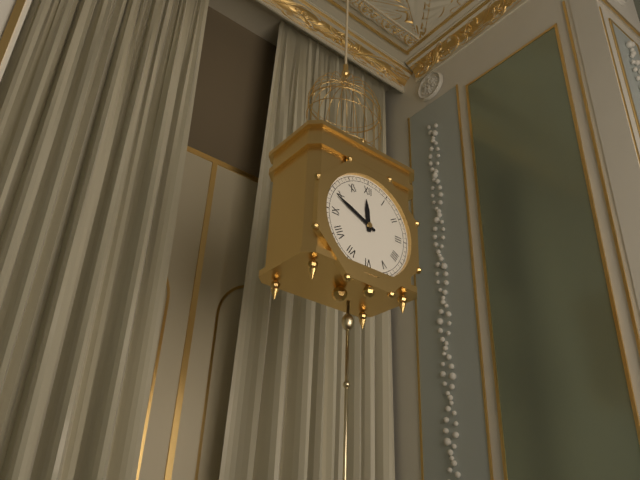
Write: 11,49
